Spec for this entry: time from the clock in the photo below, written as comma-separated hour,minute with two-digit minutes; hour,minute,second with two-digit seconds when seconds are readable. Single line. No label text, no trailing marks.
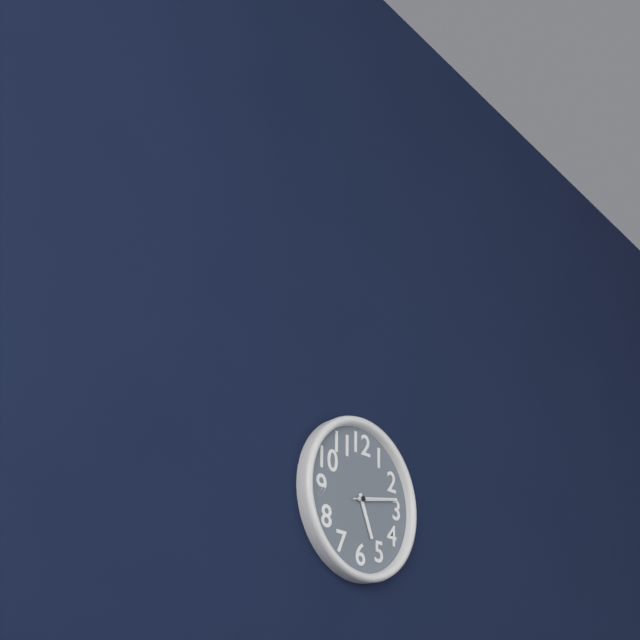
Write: 5,13
